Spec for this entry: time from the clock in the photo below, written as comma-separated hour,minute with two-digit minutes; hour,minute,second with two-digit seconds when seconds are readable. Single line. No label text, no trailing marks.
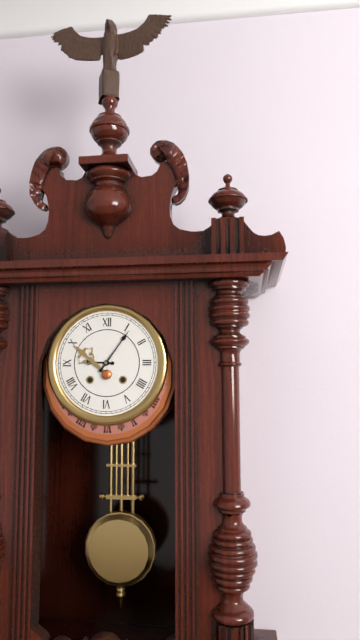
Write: 9,06
